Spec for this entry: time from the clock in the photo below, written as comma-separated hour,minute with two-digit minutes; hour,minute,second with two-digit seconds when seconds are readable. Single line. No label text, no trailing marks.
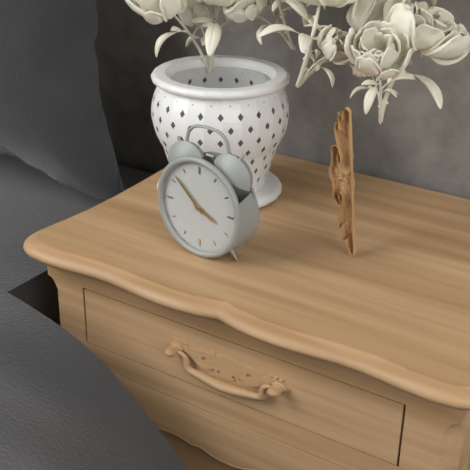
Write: 3,52
